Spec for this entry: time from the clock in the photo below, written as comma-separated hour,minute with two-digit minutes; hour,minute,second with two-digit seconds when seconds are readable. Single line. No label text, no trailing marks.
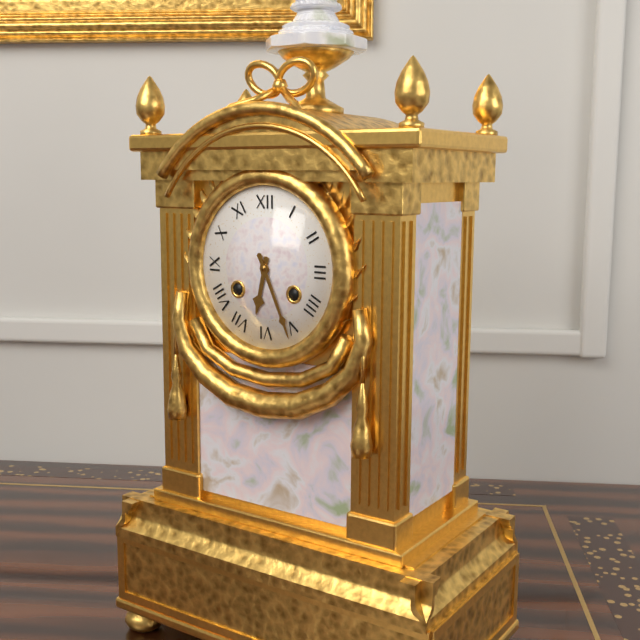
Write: 6,26
